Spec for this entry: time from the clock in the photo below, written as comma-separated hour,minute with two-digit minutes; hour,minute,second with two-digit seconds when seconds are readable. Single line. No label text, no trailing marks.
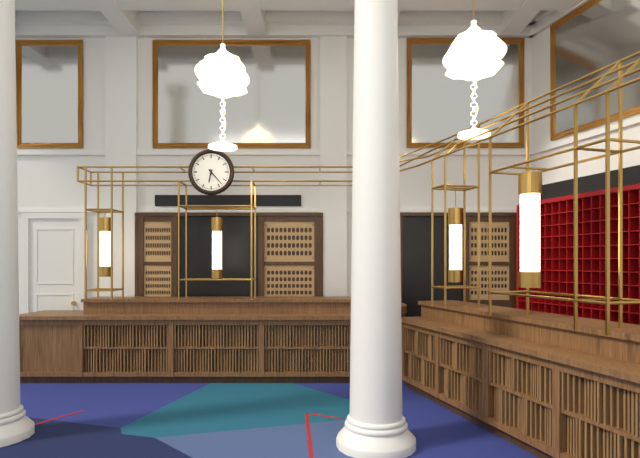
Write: 6,23
